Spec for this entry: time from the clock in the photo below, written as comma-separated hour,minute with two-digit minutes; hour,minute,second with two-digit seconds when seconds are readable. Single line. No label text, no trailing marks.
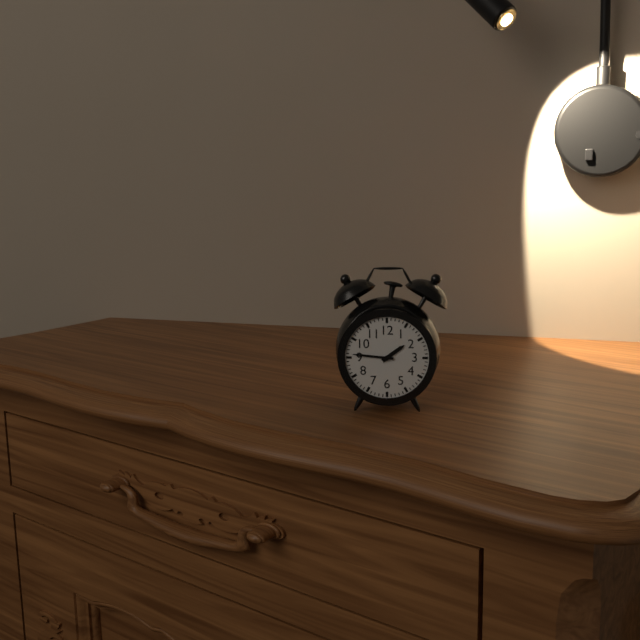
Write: 1,46
